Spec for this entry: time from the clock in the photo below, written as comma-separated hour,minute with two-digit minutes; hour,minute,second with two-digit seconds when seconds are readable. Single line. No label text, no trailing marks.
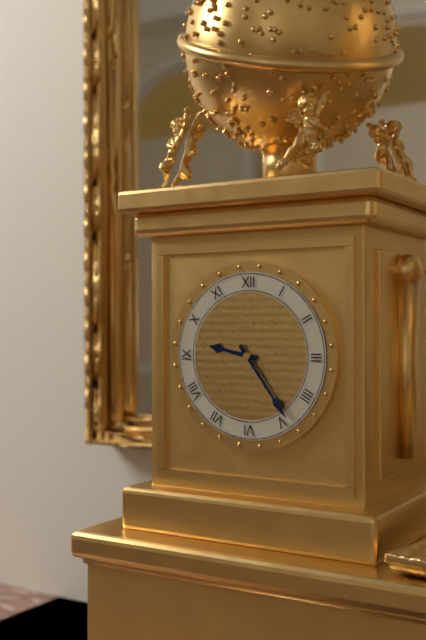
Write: 9,24
